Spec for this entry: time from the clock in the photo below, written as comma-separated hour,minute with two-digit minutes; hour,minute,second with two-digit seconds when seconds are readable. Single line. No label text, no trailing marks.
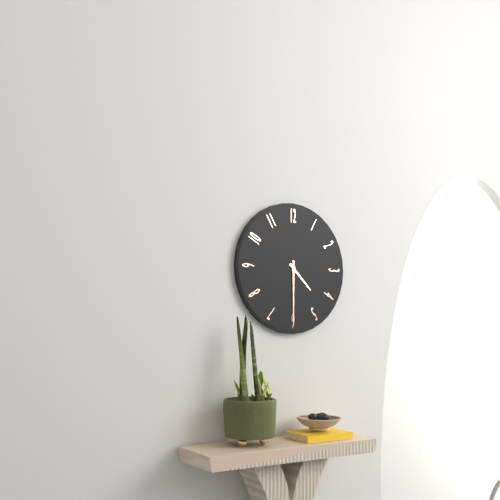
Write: 4,30
